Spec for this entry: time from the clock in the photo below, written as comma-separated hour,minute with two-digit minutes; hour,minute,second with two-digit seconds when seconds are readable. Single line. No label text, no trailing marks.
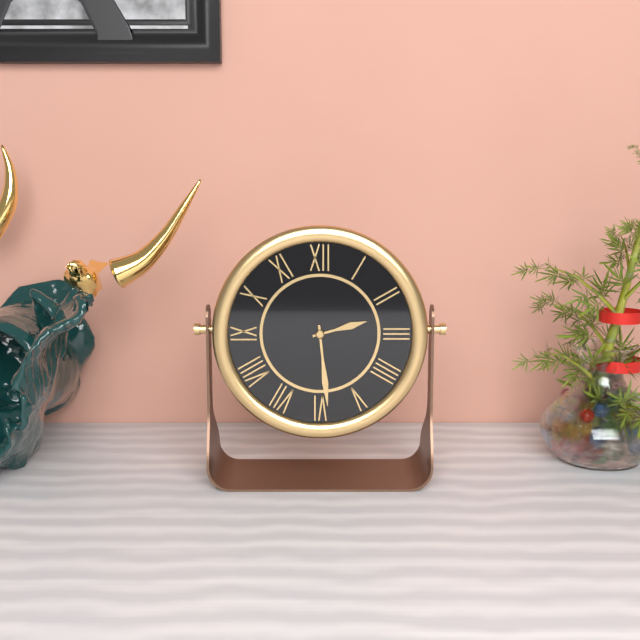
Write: 2,29
